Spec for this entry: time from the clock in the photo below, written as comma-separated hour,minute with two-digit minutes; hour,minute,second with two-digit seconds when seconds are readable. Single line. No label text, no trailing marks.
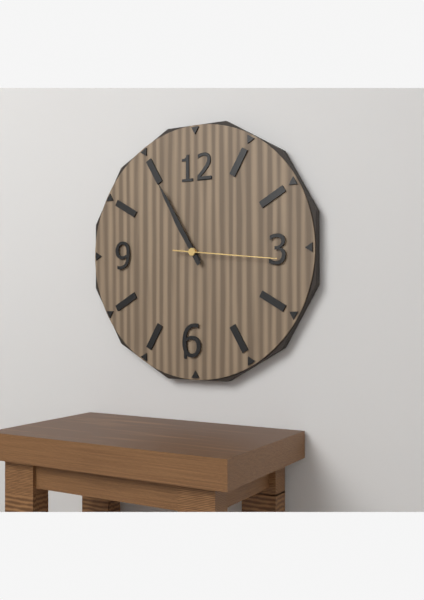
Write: 10,55,16
